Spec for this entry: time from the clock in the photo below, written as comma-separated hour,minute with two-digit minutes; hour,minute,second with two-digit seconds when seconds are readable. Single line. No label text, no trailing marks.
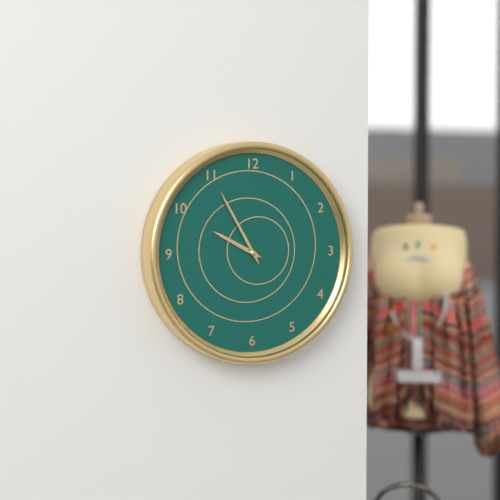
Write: 9,55
